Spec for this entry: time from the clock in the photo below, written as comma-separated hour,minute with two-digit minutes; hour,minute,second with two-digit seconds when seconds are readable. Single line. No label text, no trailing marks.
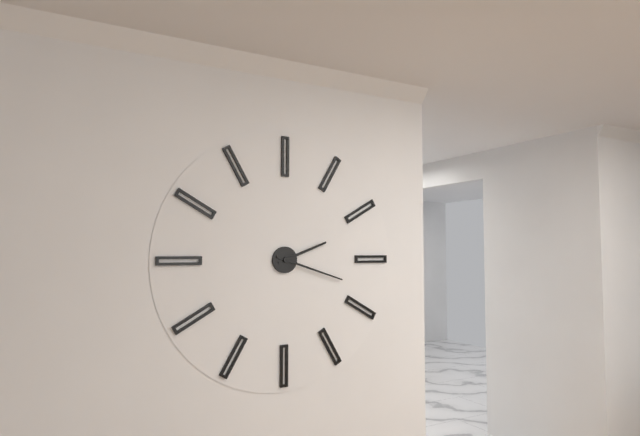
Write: 2,18
